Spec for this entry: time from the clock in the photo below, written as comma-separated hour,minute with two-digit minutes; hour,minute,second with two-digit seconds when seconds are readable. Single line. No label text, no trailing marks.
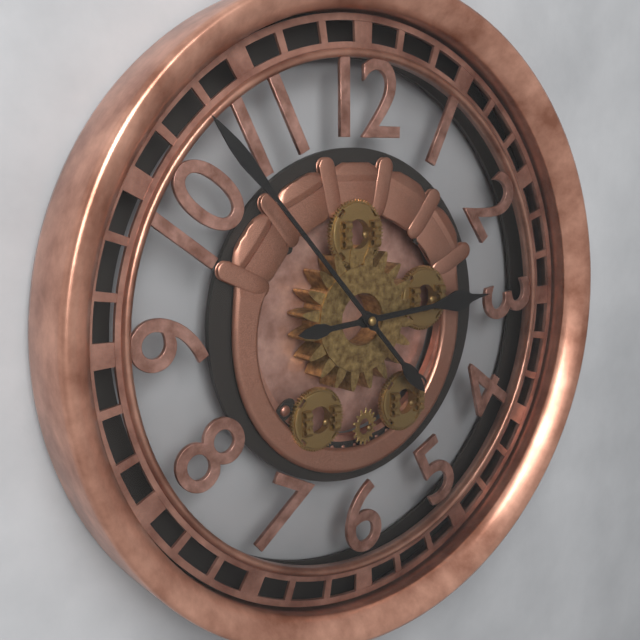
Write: 2,53
